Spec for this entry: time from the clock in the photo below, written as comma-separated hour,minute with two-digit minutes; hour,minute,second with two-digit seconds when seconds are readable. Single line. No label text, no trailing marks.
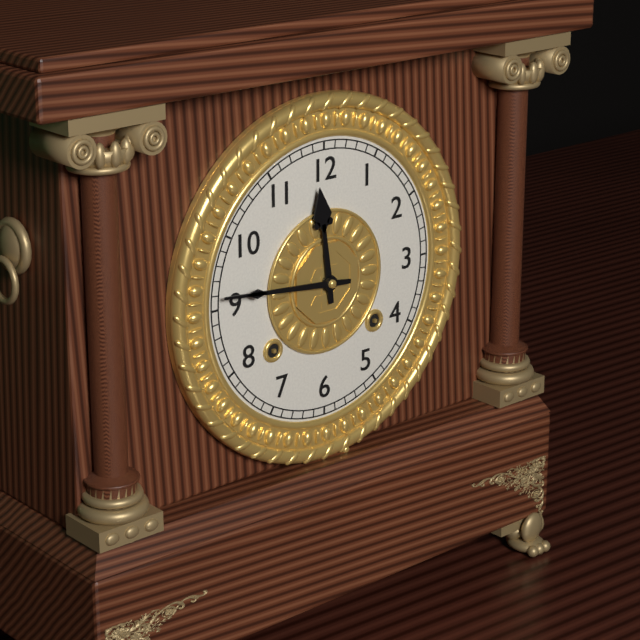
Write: 11,46
